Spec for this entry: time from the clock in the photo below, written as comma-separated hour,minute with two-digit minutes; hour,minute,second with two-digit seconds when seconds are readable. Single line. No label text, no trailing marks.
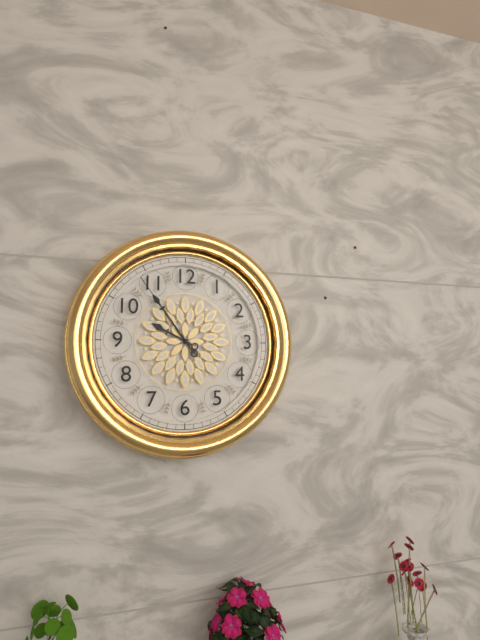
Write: 9,54,54
